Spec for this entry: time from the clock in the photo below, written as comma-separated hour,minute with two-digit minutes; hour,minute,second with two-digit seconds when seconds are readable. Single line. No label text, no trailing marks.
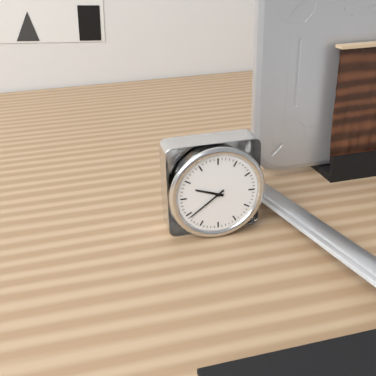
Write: 9,39
